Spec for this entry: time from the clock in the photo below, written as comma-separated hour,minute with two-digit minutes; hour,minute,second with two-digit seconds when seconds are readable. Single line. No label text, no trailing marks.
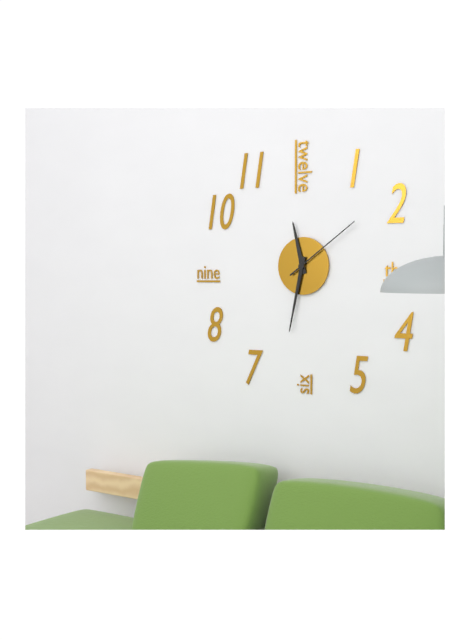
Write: 11,32,09
